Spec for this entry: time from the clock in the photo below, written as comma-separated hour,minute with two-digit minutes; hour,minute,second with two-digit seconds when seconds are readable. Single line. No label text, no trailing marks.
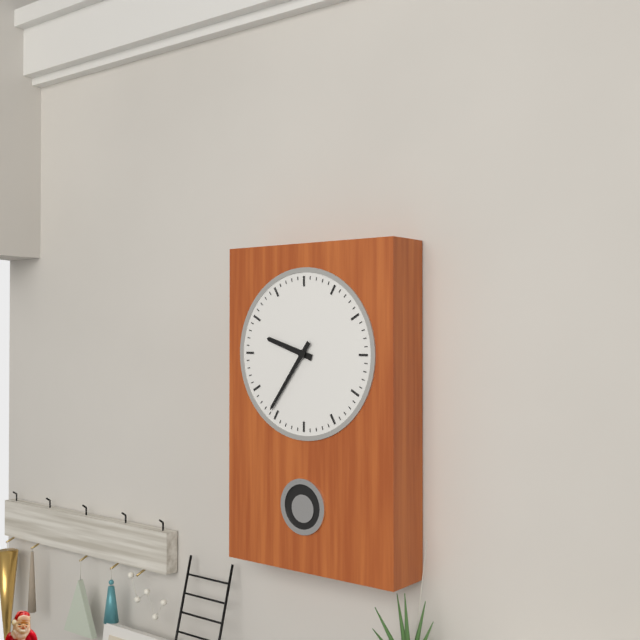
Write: 9,36
